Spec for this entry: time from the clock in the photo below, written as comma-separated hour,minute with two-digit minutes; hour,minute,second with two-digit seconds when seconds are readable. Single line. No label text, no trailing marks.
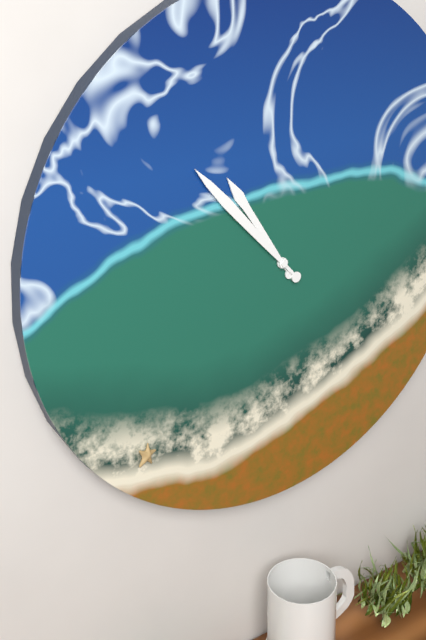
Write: 10,53
